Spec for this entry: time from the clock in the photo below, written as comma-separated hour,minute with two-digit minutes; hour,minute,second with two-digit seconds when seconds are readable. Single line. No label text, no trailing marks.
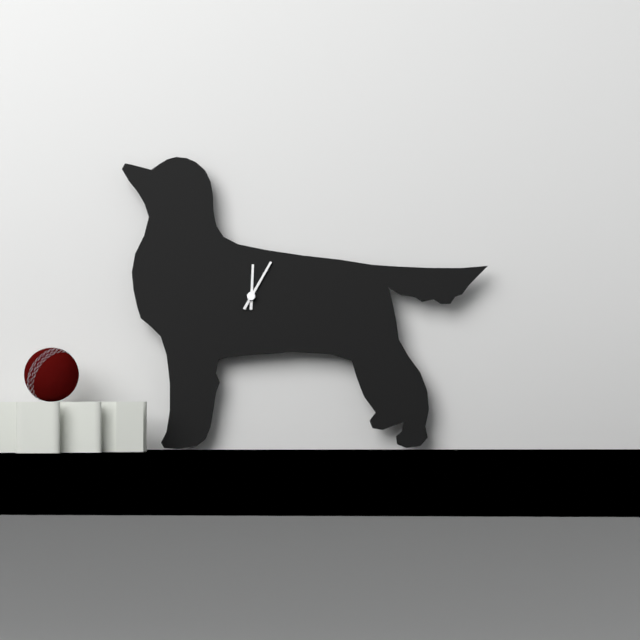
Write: 12,05
